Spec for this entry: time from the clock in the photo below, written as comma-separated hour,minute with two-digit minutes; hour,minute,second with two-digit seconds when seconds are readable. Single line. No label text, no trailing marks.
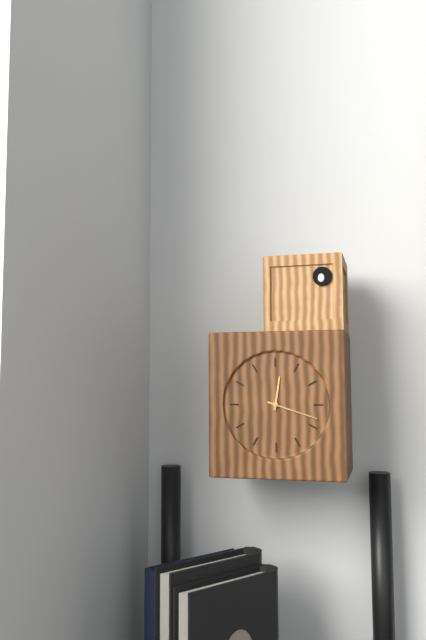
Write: 12,18
